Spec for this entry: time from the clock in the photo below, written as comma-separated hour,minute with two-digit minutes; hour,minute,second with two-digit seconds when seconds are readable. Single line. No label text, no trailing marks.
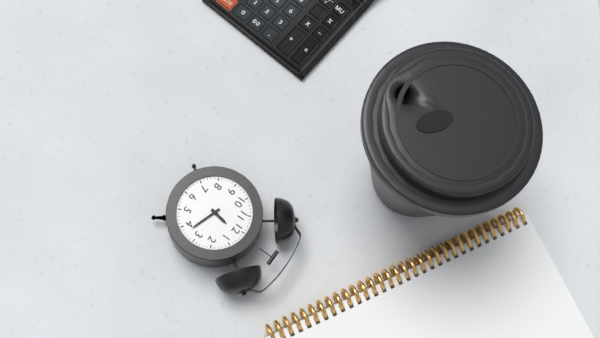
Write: 12,18
